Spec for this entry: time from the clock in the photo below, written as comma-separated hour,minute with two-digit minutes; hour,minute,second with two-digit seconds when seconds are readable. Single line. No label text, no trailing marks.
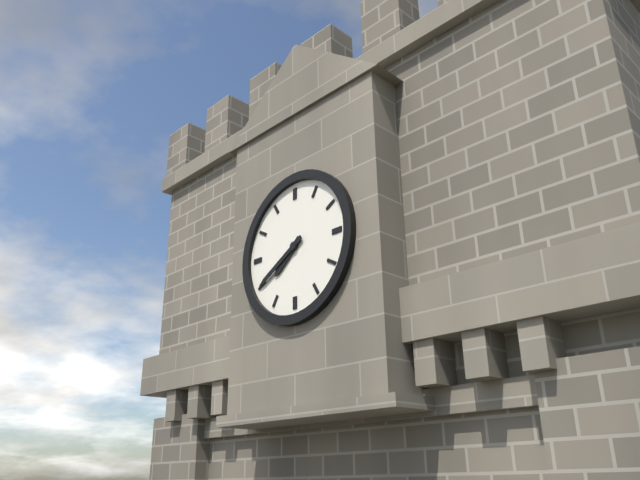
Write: 7,40
